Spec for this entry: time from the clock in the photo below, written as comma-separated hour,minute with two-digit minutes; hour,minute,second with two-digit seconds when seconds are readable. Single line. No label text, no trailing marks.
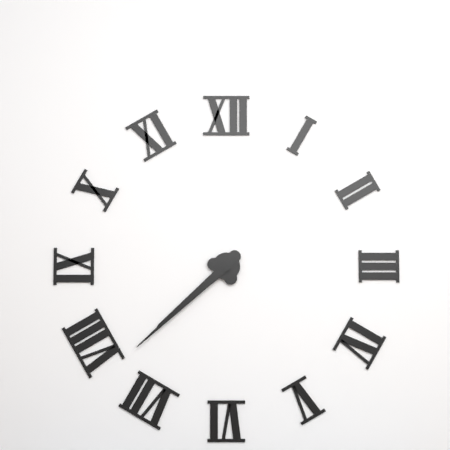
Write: 7,38
